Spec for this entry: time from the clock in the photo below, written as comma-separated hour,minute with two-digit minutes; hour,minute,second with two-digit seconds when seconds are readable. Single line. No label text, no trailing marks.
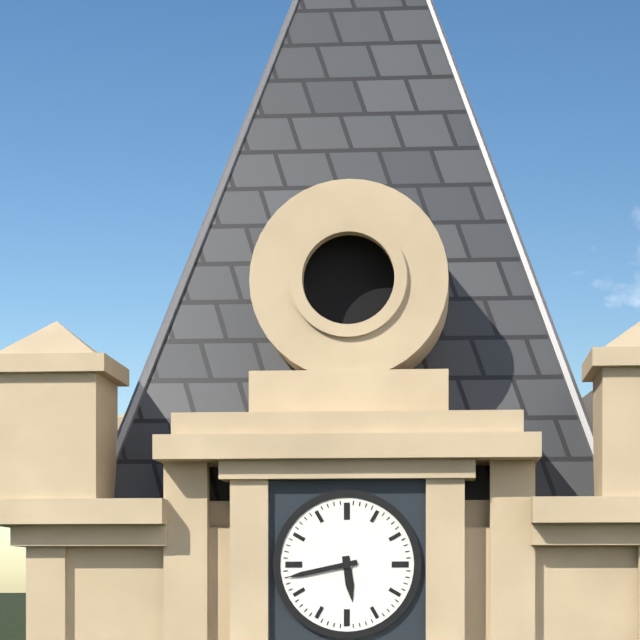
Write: 5,43
